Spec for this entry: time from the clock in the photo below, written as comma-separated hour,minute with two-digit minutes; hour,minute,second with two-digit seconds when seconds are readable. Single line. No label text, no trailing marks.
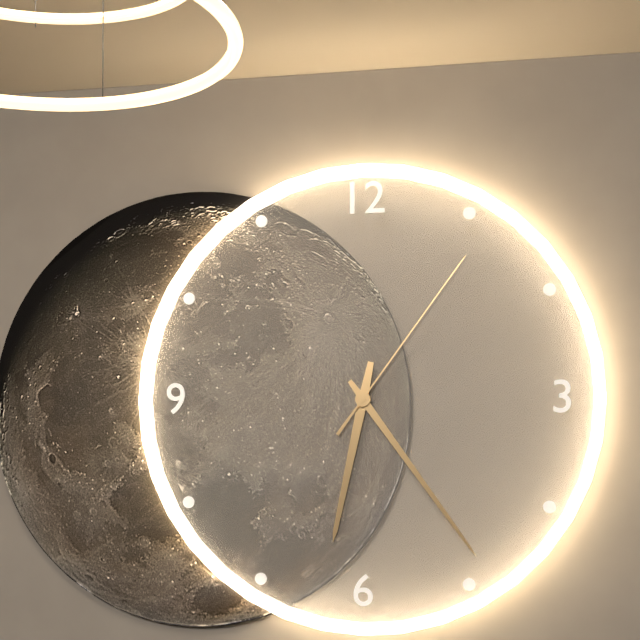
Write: 6,24,06
